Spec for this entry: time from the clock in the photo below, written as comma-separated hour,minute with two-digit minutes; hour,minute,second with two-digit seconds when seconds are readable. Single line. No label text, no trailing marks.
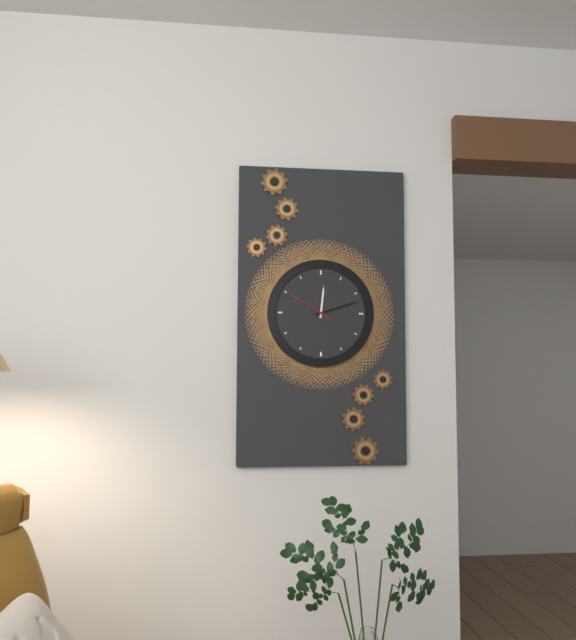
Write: 12,12
